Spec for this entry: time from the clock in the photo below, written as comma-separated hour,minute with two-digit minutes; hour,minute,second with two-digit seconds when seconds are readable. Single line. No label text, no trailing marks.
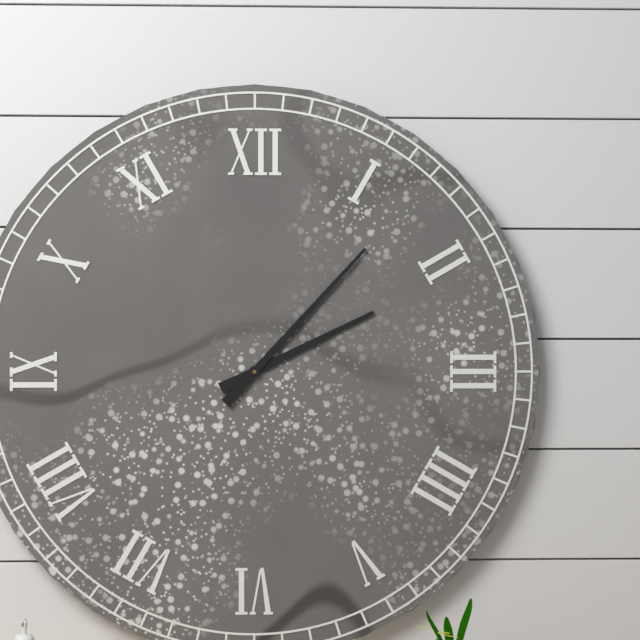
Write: 2,07
